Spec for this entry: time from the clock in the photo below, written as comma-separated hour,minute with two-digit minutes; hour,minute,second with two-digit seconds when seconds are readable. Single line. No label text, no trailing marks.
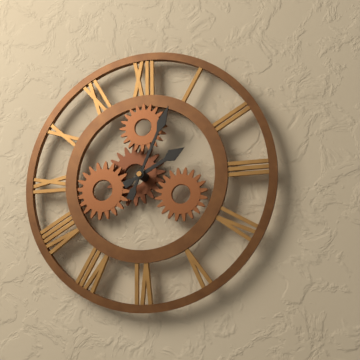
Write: 2,04
